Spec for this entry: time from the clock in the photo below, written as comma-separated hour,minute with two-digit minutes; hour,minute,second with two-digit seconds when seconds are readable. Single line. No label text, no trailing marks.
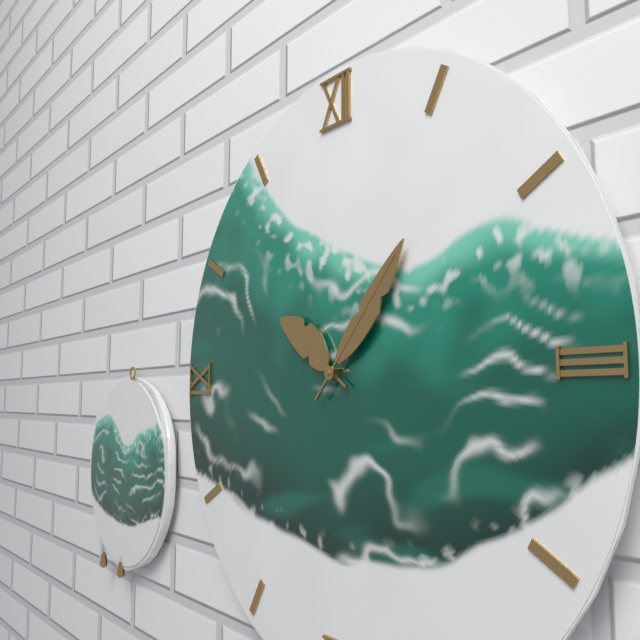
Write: 10,07
